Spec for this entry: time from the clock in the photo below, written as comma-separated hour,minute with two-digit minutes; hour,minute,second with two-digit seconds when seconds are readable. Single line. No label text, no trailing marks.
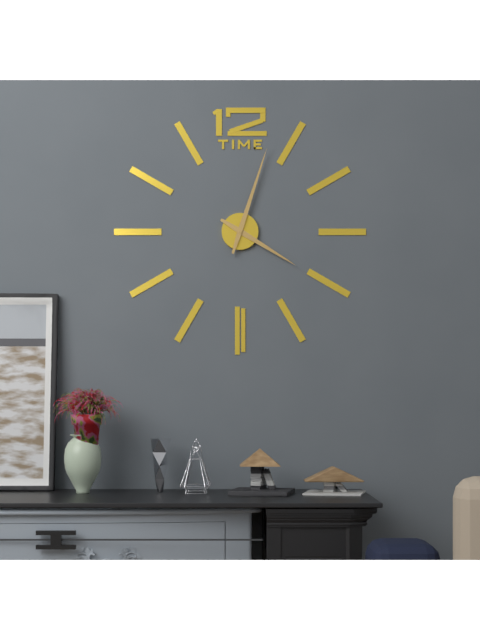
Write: 4,03
